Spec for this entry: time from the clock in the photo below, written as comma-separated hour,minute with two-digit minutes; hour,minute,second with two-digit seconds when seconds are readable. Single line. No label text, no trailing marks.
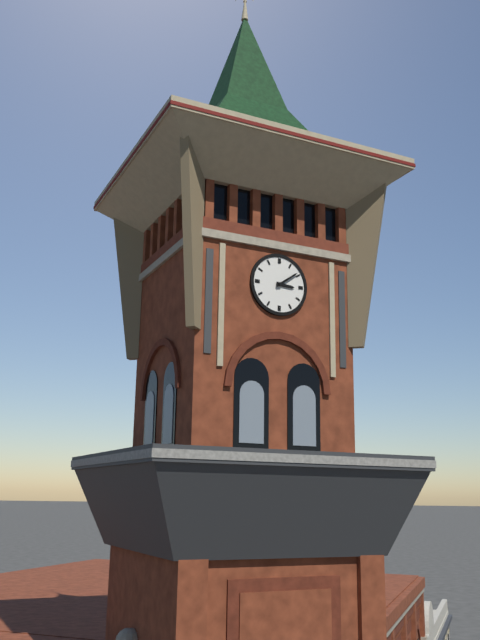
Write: 3,09
